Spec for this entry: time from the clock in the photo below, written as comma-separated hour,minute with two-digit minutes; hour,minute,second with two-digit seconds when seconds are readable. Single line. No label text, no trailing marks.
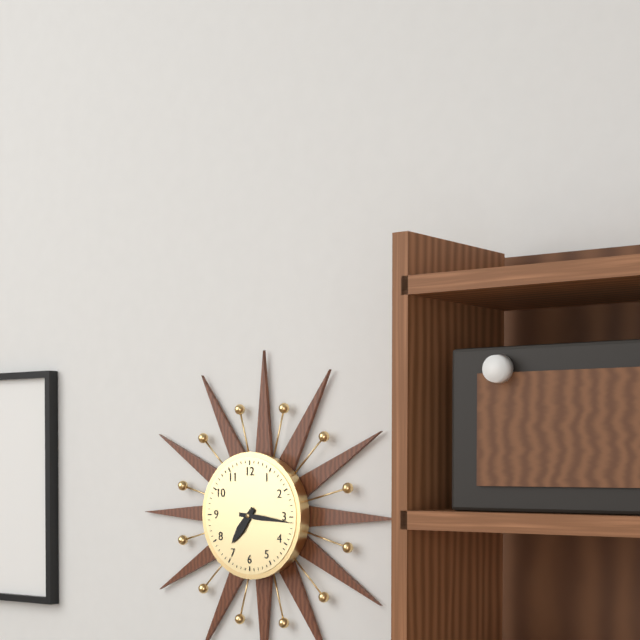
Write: 7,16
